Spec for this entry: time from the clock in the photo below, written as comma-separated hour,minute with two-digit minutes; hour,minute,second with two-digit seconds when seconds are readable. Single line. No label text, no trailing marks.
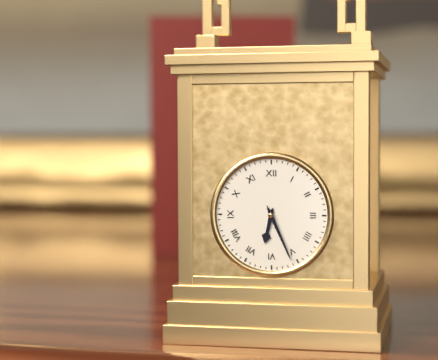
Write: 6,26
